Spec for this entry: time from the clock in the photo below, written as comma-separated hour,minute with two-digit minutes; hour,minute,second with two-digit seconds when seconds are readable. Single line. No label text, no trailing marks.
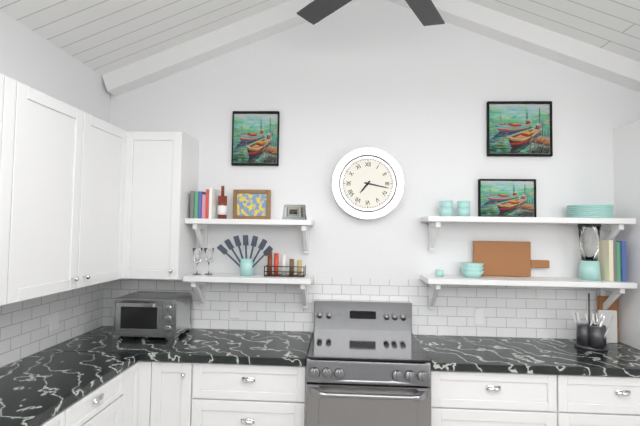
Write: 7,17
